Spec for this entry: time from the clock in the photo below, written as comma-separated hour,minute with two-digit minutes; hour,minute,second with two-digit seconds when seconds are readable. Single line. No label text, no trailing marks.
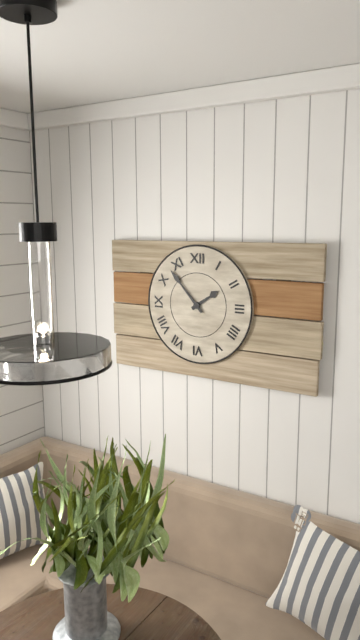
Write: 1,53
